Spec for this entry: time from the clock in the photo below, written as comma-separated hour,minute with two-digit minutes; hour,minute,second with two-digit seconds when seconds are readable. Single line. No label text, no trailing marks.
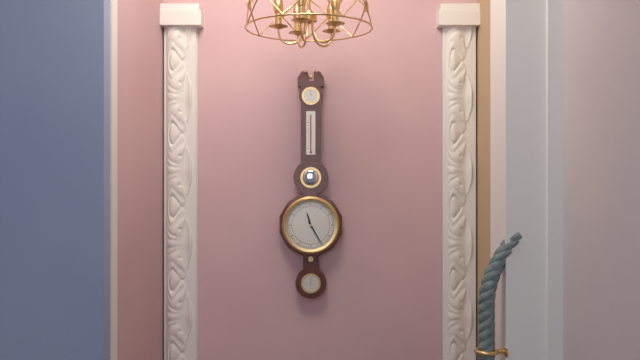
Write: 11,25
